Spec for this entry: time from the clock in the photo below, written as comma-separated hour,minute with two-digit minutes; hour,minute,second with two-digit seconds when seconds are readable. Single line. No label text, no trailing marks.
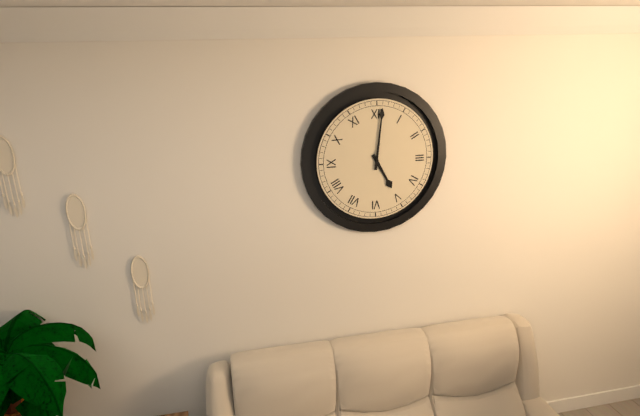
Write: 5,01
